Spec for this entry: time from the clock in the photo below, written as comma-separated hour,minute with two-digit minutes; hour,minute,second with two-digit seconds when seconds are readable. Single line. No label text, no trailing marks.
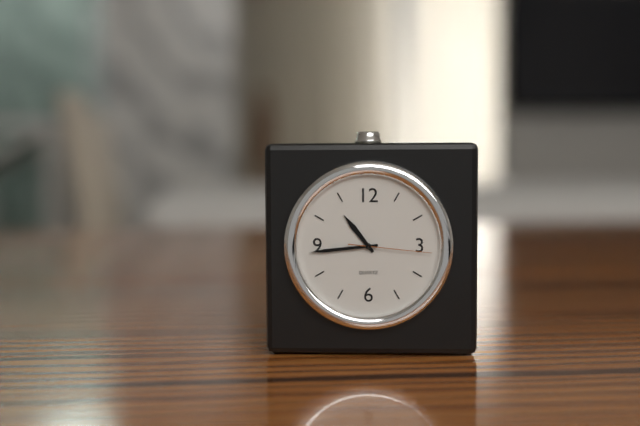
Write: 10,44,16
